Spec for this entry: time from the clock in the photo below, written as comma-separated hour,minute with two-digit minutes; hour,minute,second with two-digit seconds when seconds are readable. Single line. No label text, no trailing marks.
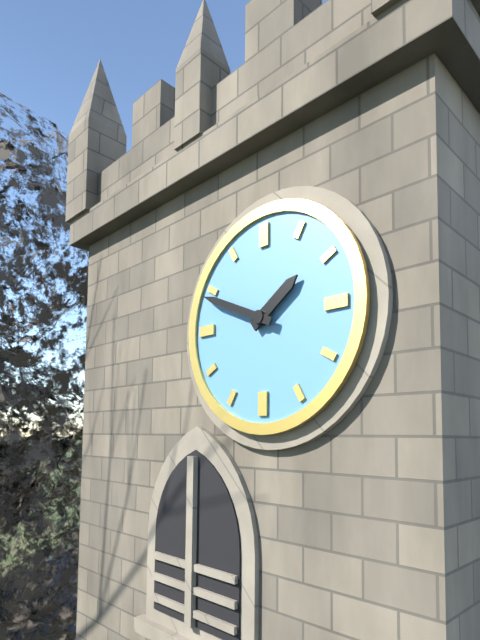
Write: 1,49
